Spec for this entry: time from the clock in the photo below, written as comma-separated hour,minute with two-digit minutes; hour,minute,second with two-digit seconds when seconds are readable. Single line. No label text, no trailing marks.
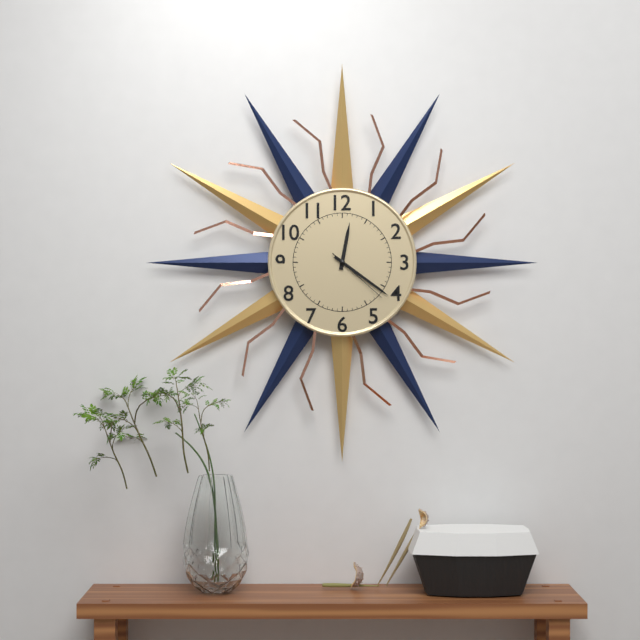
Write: 12,21,22
